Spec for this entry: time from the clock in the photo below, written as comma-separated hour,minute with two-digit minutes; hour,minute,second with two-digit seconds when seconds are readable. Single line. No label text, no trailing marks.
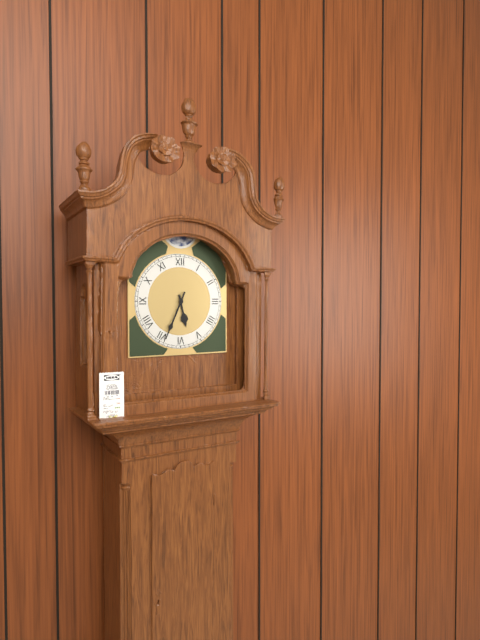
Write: 5,34
